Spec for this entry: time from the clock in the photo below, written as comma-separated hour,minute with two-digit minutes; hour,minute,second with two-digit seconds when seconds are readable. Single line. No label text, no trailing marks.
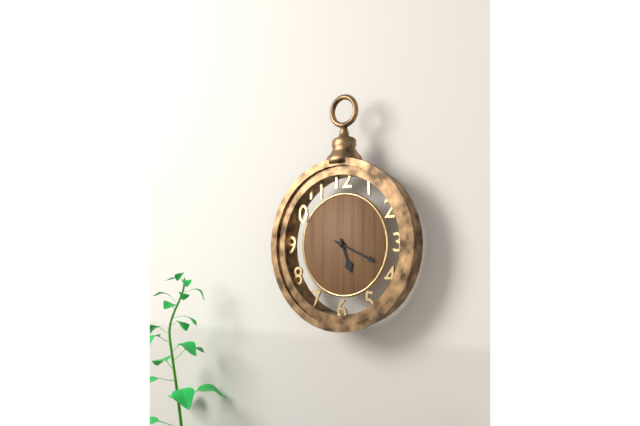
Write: 5,19
